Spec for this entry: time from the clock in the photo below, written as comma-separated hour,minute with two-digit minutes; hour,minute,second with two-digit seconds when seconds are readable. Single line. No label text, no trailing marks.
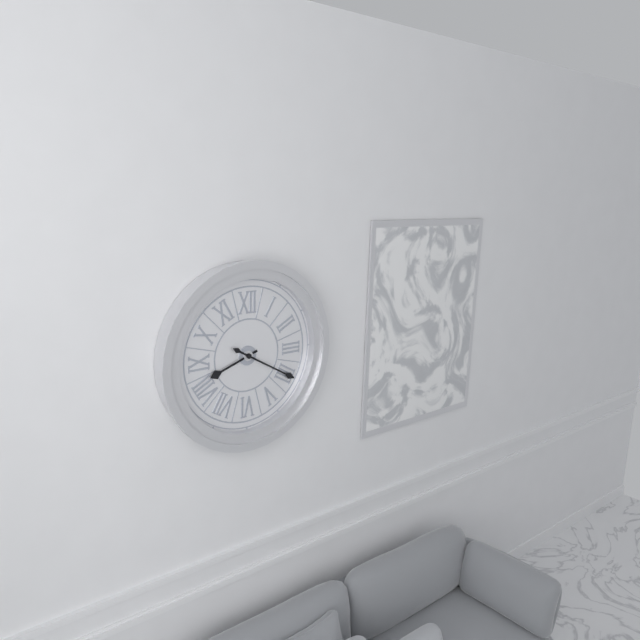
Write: 8,20
